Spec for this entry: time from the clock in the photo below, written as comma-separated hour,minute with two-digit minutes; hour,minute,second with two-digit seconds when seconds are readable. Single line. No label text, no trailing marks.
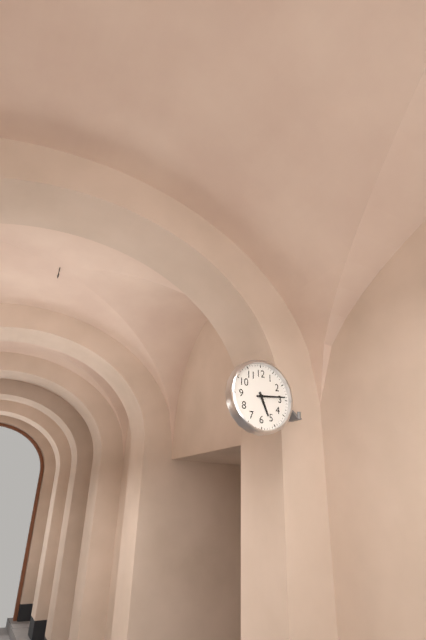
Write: 5,14
